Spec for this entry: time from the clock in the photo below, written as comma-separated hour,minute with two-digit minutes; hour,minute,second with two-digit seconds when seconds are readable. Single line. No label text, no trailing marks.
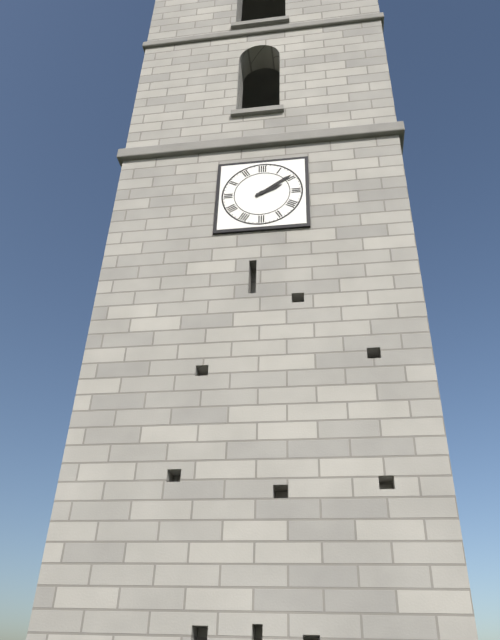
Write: 2,09
